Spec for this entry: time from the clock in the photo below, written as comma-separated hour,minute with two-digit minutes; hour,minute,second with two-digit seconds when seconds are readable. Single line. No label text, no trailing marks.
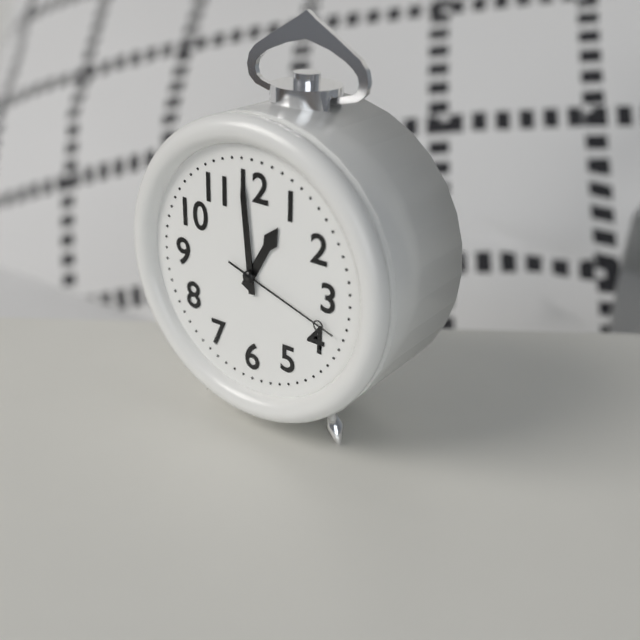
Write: 12,59,18
